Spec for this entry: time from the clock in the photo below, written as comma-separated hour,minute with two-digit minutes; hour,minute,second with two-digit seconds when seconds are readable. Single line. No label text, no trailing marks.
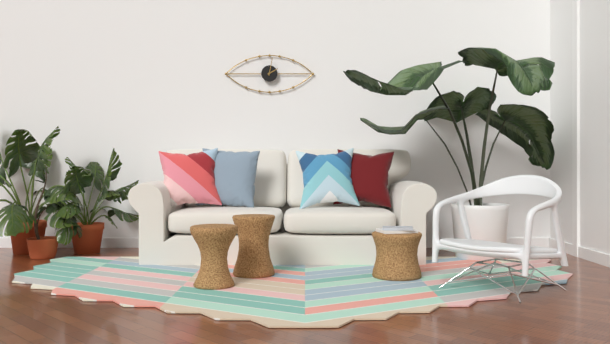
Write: 2,02
